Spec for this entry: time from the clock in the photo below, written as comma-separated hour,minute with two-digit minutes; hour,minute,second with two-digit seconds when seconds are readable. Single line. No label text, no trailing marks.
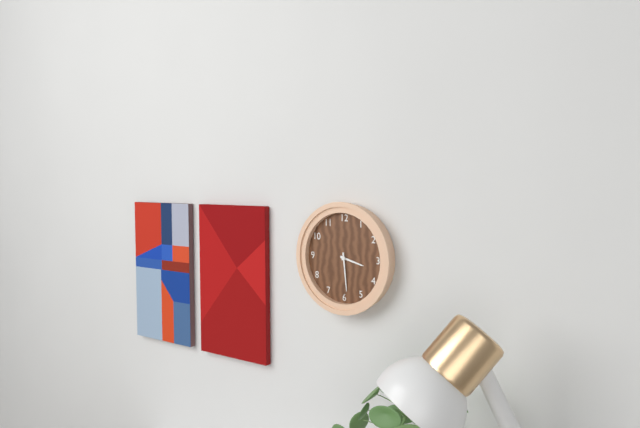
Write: 3,29
